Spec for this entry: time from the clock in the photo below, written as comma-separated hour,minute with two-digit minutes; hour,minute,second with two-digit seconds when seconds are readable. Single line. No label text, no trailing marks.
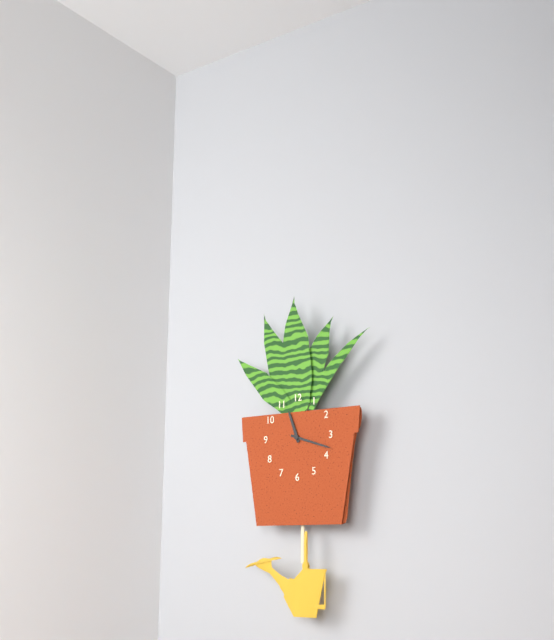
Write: 11,18
